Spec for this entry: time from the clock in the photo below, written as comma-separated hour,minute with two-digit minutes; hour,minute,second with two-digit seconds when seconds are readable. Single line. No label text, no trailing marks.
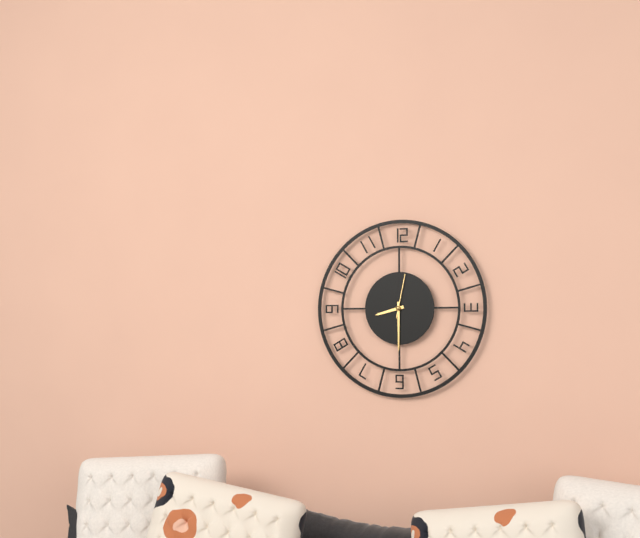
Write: 8,30
